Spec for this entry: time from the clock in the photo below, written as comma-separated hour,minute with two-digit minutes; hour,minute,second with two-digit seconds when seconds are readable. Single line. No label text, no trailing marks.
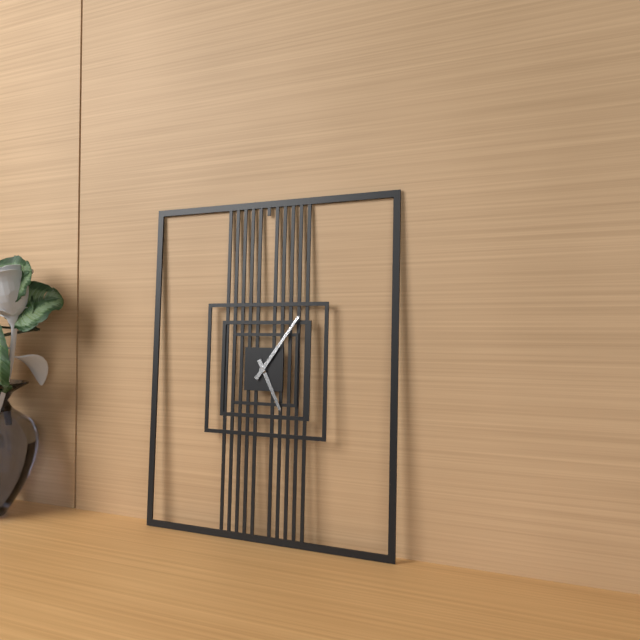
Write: 5,06
